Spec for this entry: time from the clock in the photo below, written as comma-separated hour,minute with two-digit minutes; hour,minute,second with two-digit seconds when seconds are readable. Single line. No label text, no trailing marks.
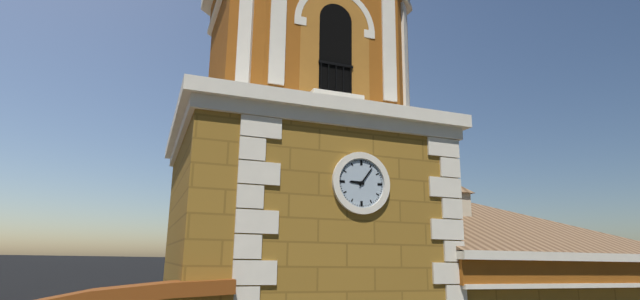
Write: 9,06
